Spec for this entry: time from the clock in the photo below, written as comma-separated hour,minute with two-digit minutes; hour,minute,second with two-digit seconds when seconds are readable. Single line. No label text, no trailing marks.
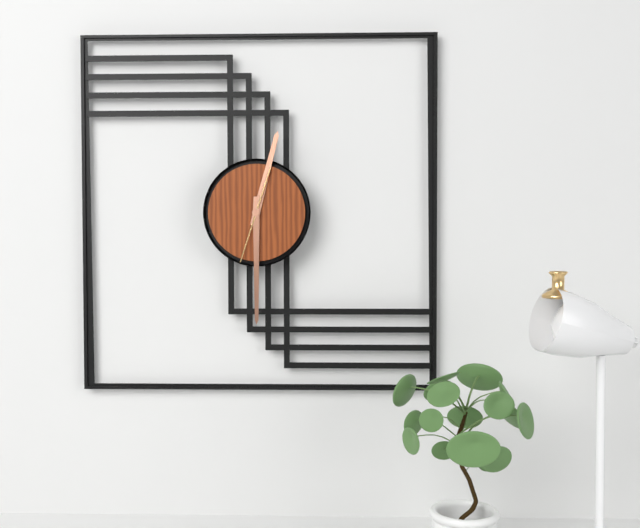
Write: 12,30,33
